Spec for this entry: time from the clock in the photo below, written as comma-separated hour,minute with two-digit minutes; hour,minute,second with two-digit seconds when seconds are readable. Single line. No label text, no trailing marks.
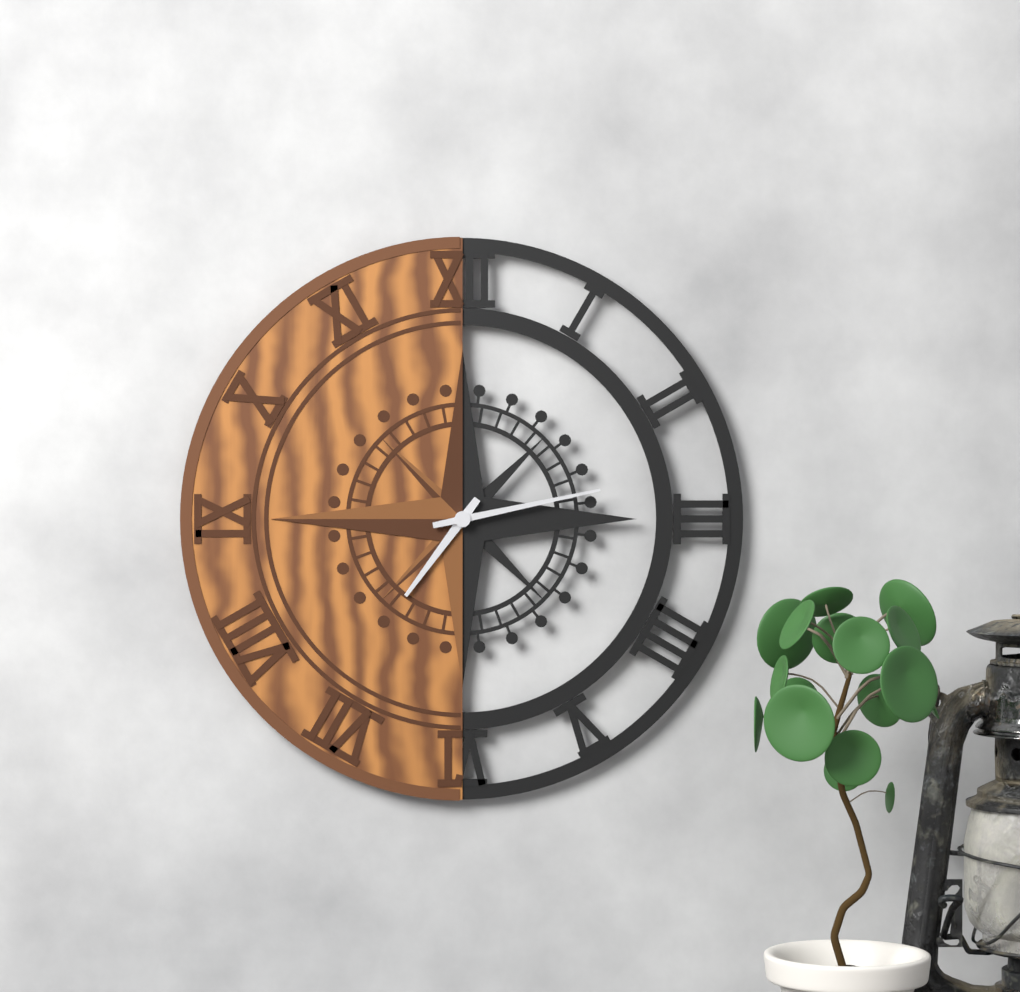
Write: 7,13
